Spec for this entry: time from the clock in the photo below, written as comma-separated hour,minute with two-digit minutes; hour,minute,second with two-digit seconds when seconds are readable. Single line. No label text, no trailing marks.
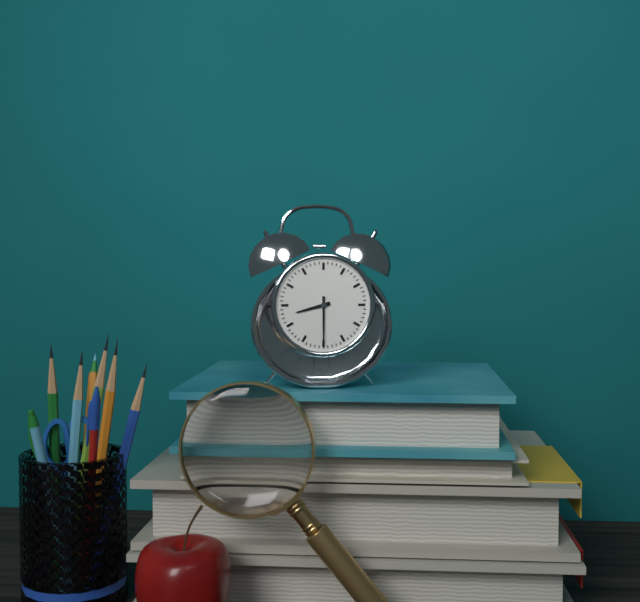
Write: 8,30
